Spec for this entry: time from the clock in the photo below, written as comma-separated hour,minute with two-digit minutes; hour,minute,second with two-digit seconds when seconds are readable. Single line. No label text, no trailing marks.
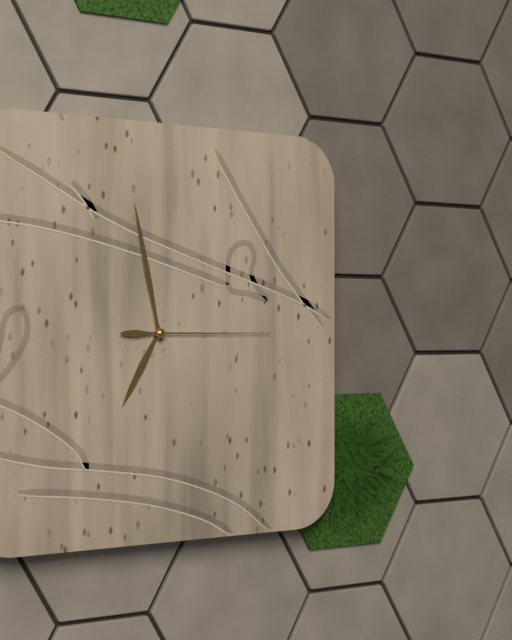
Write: 6,58,15
